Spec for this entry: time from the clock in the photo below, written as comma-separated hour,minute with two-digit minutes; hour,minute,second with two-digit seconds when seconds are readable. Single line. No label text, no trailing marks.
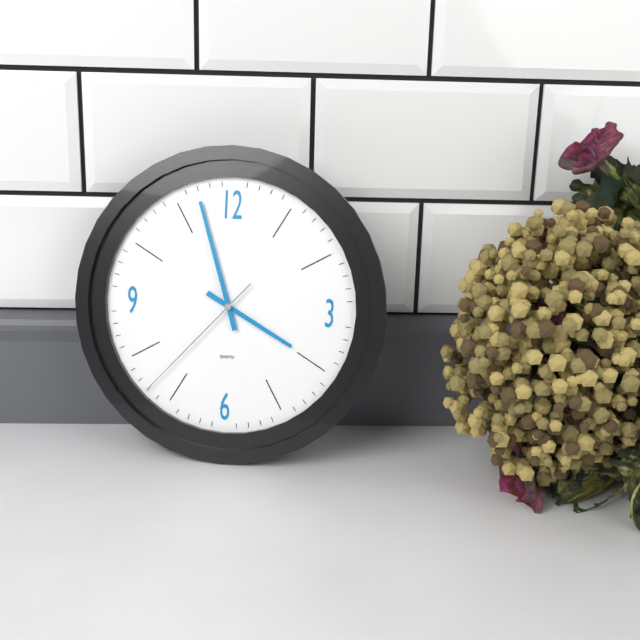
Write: 3,57,37
